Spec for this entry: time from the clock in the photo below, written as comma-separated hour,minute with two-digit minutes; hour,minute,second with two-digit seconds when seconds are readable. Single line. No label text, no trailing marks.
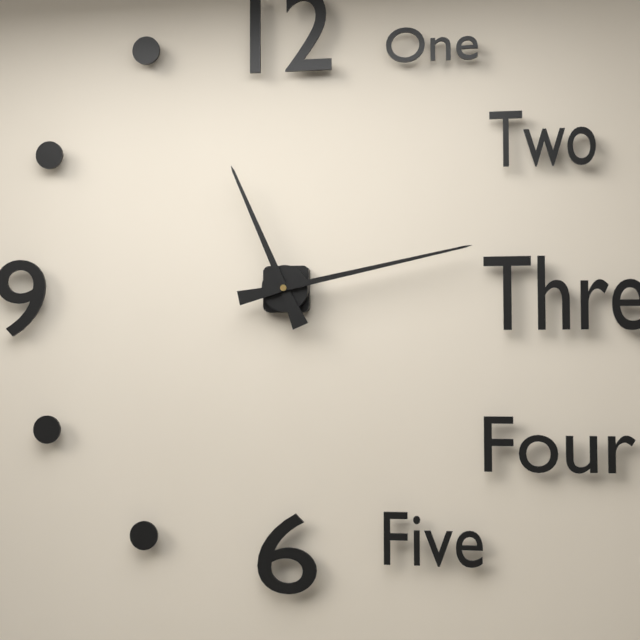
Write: 11,13
